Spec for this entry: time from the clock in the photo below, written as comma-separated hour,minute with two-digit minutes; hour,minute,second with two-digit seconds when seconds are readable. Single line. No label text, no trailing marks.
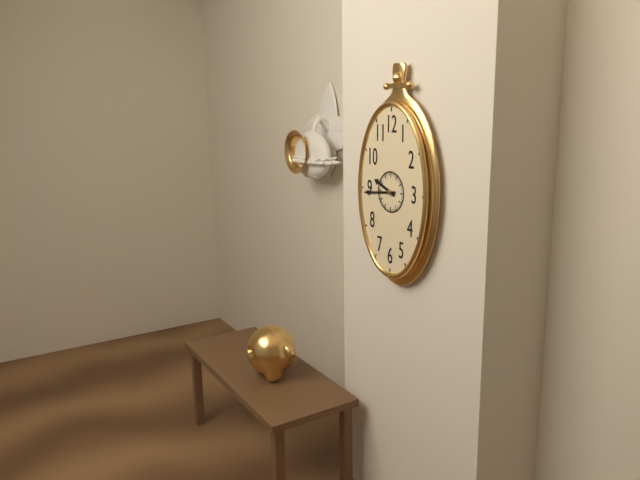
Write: 9,44
